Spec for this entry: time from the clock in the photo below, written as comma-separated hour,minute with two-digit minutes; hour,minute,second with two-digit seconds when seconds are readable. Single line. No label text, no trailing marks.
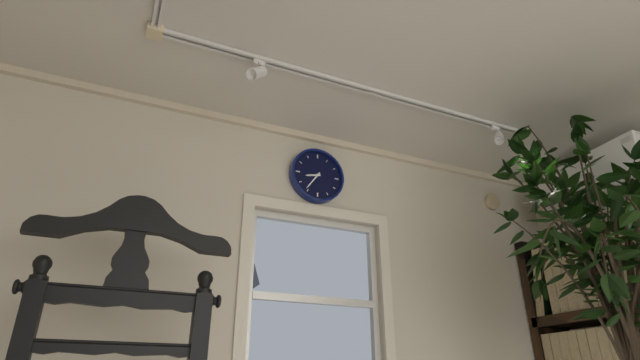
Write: 8,36
